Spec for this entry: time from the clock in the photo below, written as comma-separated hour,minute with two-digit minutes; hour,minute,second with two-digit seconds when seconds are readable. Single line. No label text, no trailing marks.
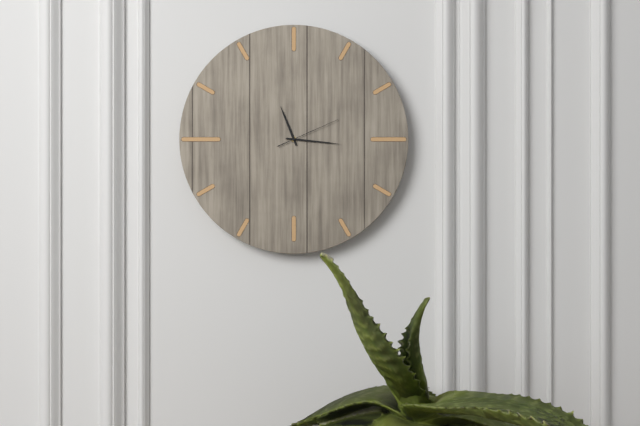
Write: 11,16,11
